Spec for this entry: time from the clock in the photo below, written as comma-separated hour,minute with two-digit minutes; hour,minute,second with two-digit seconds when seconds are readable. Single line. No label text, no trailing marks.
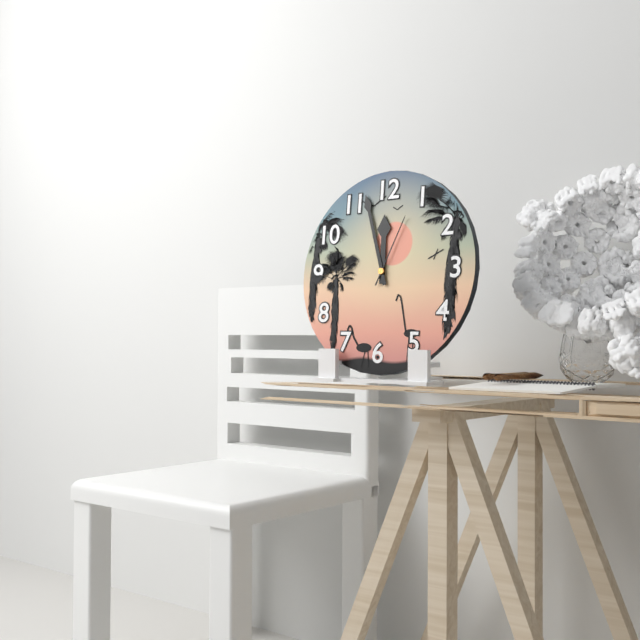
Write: 11,57,04
